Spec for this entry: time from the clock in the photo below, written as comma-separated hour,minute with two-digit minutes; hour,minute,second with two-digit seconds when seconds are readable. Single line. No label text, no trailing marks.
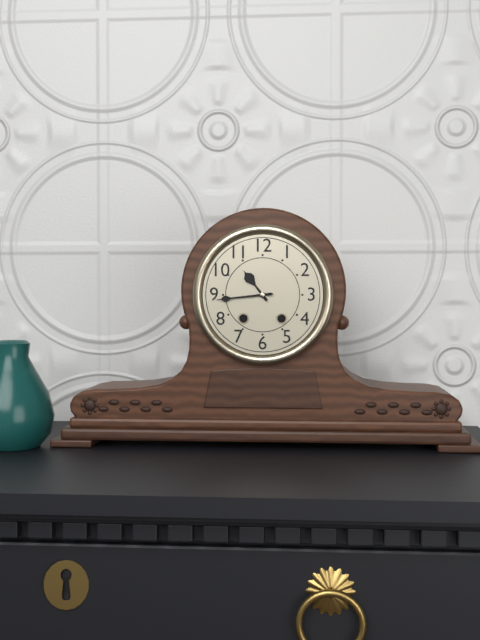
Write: 10,44
